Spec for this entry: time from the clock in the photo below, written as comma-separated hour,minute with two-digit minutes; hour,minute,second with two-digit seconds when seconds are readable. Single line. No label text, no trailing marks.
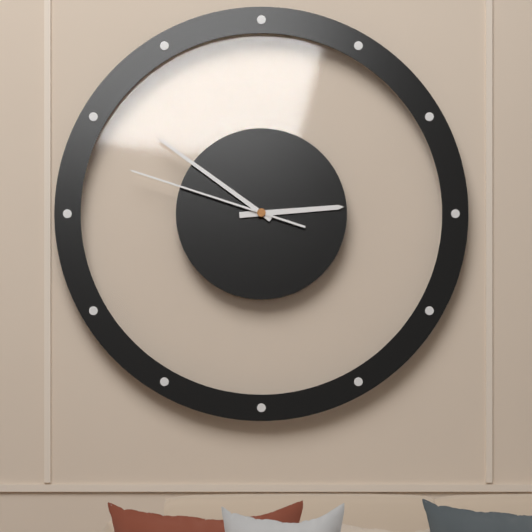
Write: 2,51,48
